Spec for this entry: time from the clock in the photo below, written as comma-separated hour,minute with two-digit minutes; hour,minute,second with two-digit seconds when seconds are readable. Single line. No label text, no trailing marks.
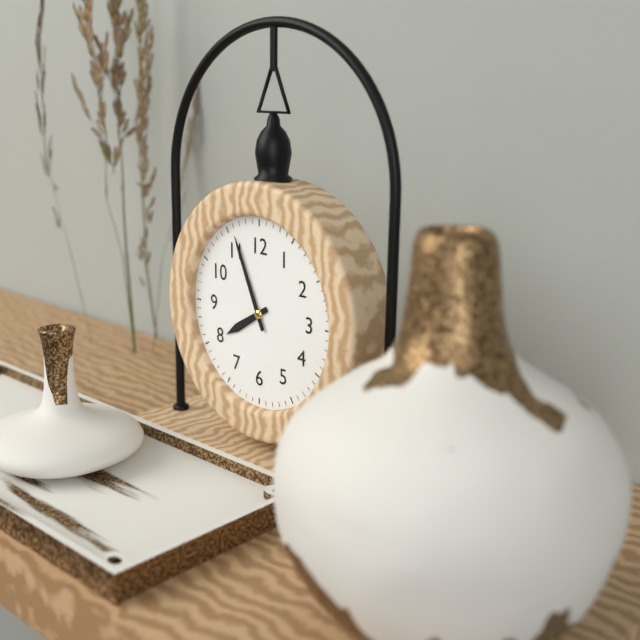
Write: 7,56
